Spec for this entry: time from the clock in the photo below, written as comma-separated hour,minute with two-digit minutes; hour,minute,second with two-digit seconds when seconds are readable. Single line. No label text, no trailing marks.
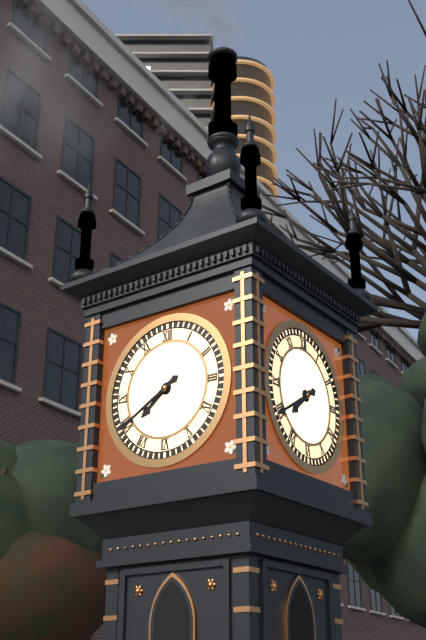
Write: 7,40
